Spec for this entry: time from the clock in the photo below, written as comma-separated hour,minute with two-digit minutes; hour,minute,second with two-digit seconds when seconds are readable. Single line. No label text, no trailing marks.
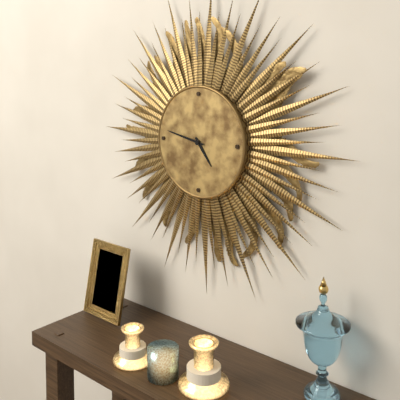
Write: 4,47
